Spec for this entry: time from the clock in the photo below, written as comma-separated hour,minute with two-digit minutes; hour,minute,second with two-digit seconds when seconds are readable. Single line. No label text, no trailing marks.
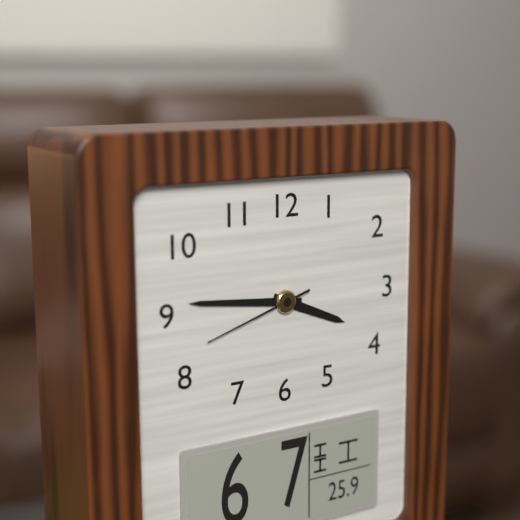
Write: 3,46,42
